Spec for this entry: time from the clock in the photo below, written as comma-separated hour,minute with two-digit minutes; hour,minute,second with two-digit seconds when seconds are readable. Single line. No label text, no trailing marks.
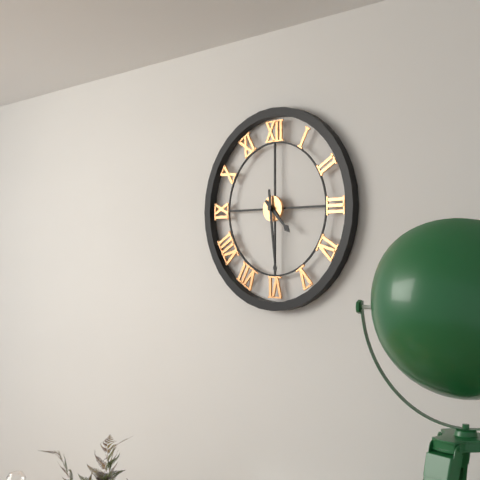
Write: 4,29
